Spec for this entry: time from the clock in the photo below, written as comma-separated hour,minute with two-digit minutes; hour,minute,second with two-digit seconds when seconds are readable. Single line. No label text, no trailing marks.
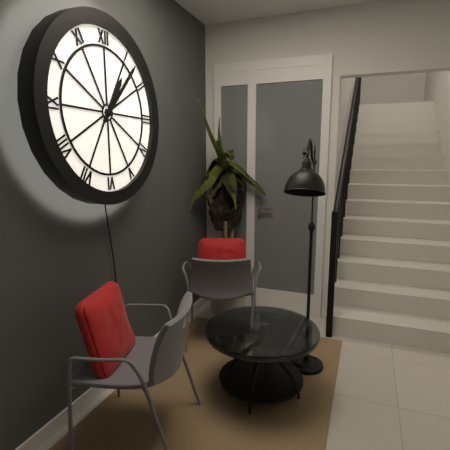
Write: 1,07
